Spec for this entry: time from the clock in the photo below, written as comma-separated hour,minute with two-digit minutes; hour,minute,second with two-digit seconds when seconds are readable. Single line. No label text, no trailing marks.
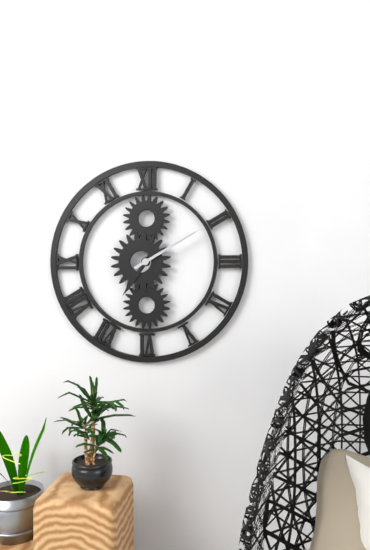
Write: 7,10
